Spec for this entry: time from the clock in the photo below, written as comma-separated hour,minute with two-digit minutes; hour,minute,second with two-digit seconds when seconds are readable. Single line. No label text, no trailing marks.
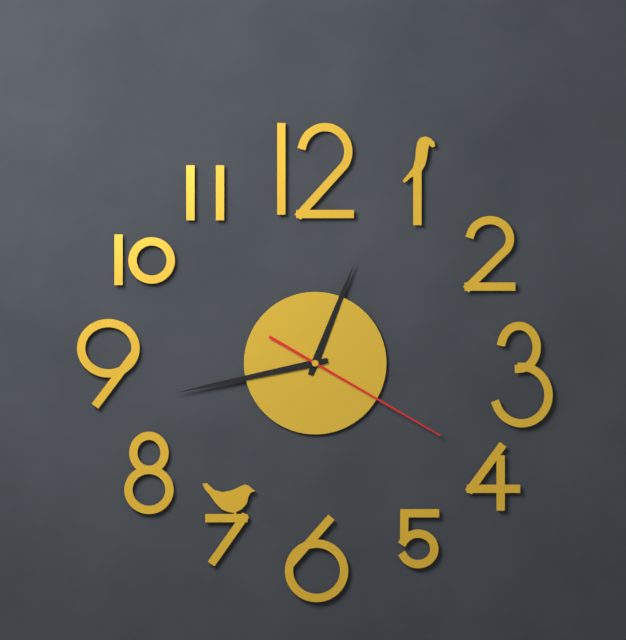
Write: 12,43,20
